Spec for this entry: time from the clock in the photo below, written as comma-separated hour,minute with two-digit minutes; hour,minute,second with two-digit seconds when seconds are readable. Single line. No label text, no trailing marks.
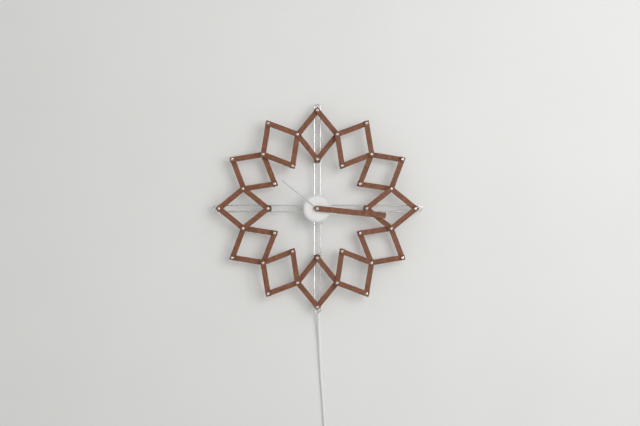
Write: 10,16
